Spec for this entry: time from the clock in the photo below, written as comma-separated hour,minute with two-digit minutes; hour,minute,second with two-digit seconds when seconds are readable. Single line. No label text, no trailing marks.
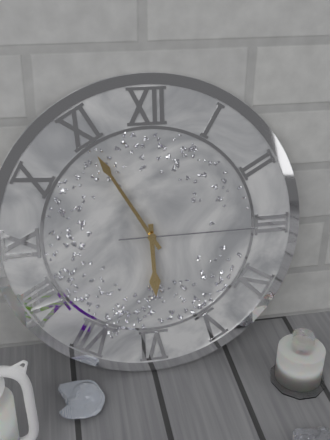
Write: 5,55,15
